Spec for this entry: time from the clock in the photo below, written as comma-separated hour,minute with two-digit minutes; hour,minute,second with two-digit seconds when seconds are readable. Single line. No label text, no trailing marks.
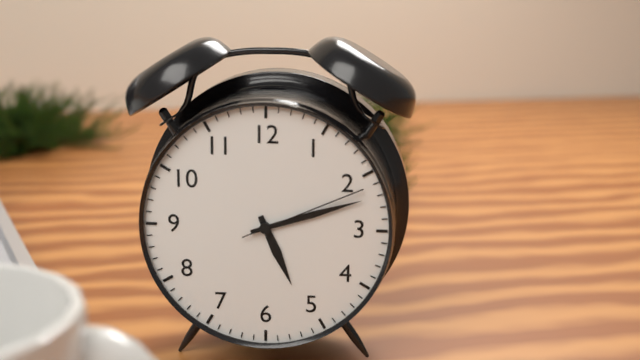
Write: 5,12,11
